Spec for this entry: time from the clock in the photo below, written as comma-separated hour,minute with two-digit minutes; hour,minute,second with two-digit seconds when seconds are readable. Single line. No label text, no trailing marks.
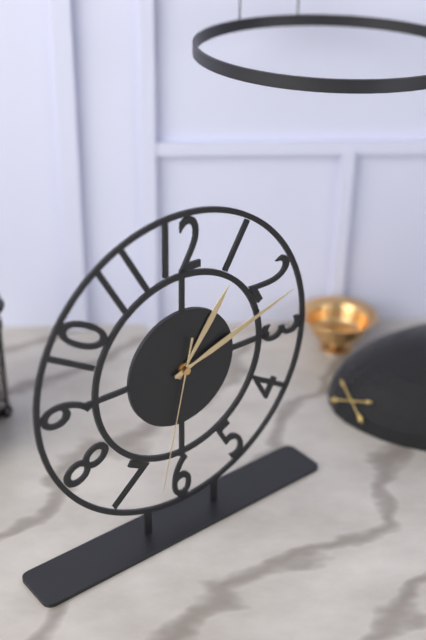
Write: 1,12,32
